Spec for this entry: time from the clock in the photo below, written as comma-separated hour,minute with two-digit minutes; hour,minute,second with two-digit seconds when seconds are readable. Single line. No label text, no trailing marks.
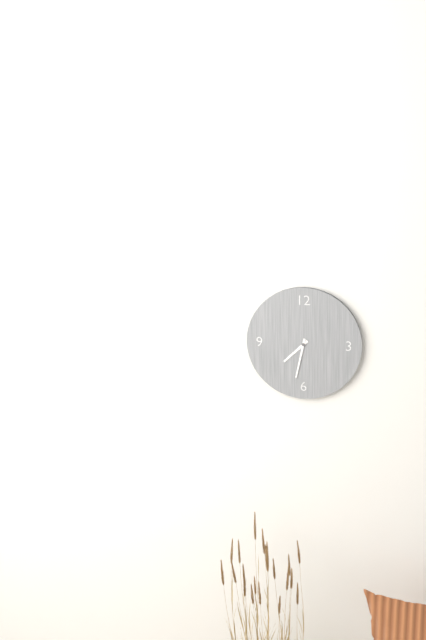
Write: 7,32
